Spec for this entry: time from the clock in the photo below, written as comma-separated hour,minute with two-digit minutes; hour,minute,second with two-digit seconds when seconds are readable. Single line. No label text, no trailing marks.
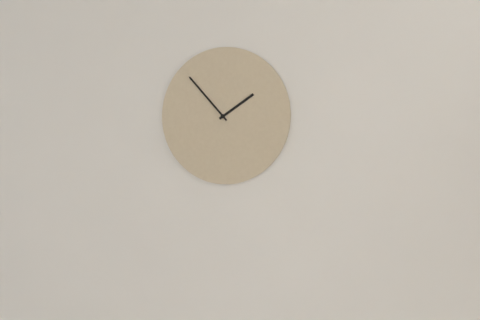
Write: 1,53
